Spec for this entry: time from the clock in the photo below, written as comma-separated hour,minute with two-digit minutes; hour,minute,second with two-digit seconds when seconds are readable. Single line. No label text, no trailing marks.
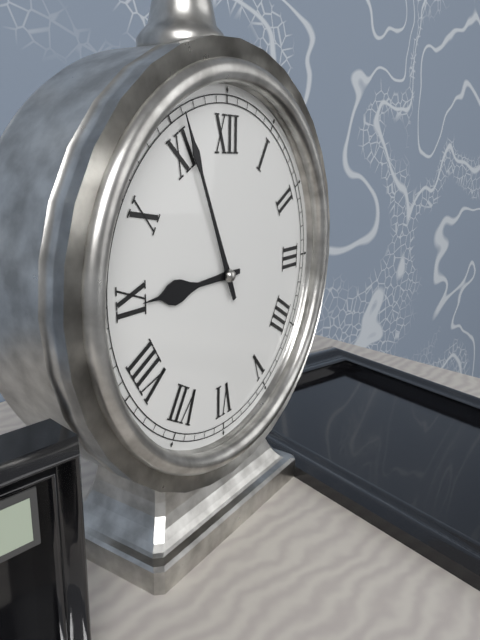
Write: 8,56
